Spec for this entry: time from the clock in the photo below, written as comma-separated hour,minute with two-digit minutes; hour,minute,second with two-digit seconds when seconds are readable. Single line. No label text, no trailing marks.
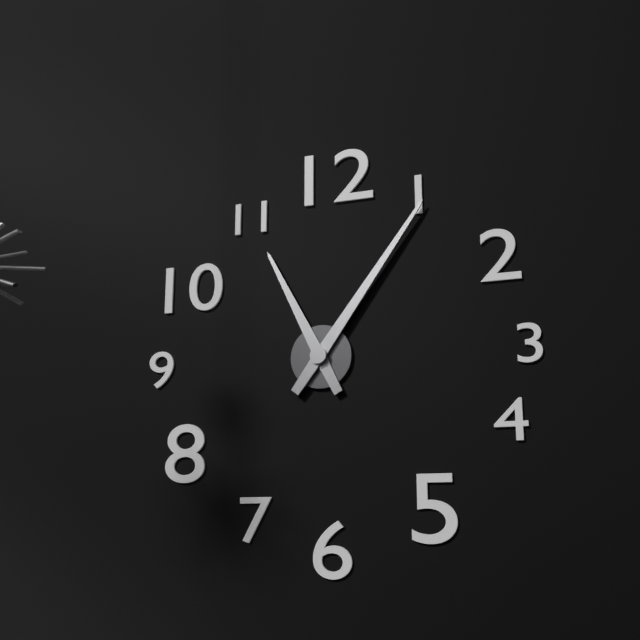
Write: 11,06
